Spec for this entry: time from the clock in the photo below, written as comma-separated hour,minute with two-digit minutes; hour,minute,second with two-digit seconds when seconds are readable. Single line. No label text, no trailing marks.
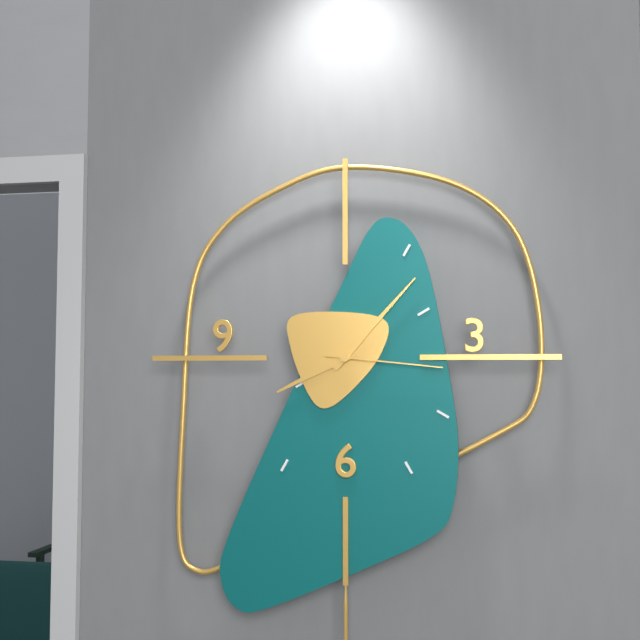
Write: 8,07,16
